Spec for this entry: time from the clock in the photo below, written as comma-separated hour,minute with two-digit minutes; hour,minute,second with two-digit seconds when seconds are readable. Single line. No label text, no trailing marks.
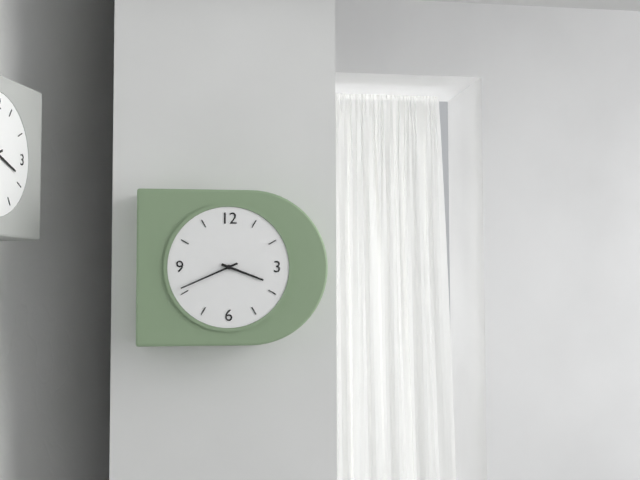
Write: 3,41
